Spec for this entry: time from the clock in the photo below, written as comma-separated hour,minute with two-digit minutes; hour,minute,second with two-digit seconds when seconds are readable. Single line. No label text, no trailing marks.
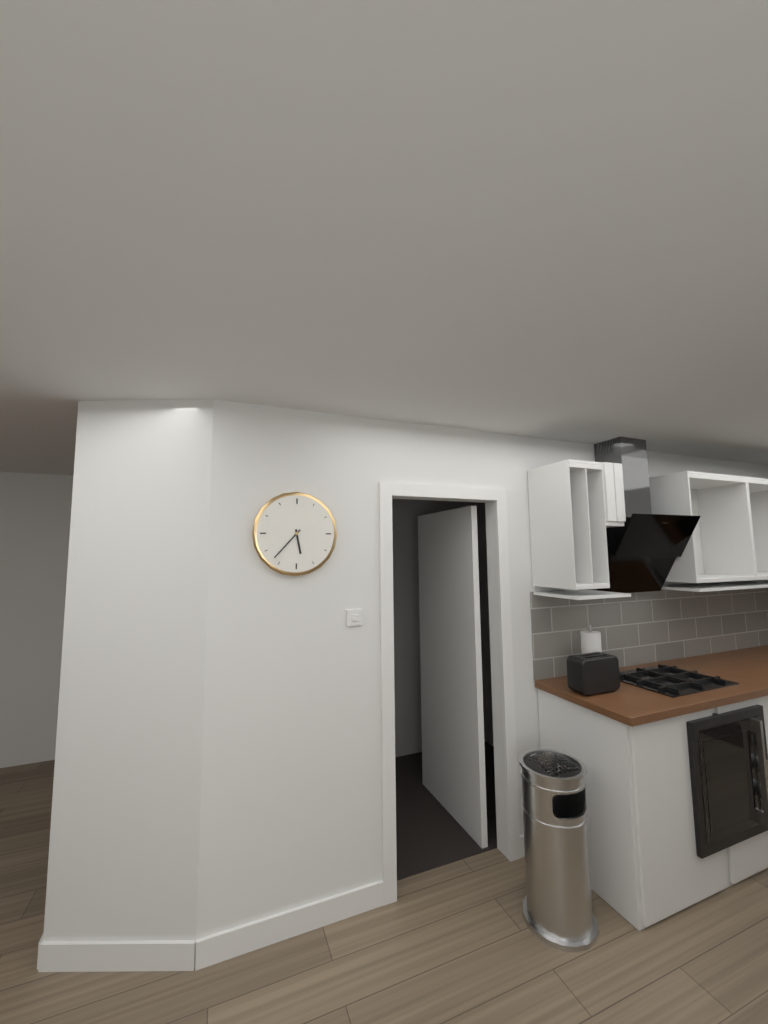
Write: 5,37
